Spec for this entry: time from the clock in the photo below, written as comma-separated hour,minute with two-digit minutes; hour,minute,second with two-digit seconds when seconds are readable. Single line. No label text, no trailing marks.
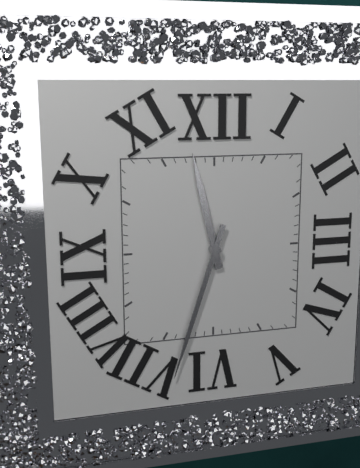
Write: 11,33
